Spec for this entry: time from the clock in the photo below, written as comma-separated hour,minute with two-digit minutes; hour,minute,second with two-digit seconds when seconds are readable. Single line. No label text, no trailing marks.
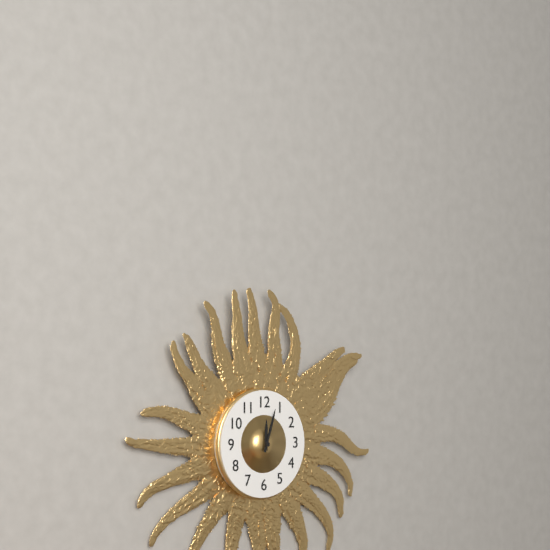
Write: 12,03
